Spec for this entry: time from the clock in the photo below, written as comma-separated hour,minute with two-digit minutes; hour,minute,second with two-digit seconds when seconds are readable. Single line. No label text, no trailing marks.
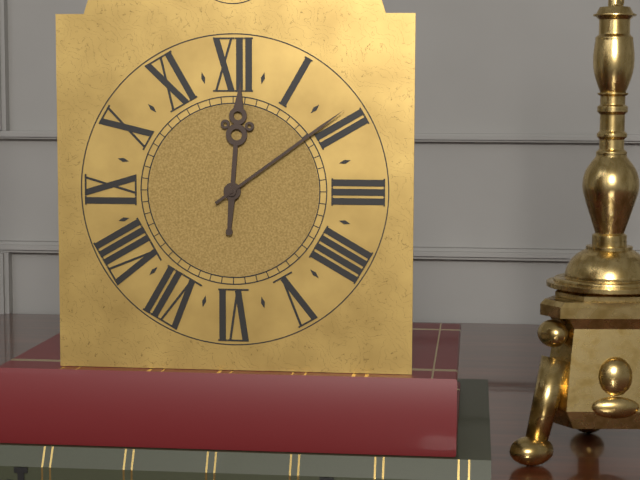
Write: 12,09
